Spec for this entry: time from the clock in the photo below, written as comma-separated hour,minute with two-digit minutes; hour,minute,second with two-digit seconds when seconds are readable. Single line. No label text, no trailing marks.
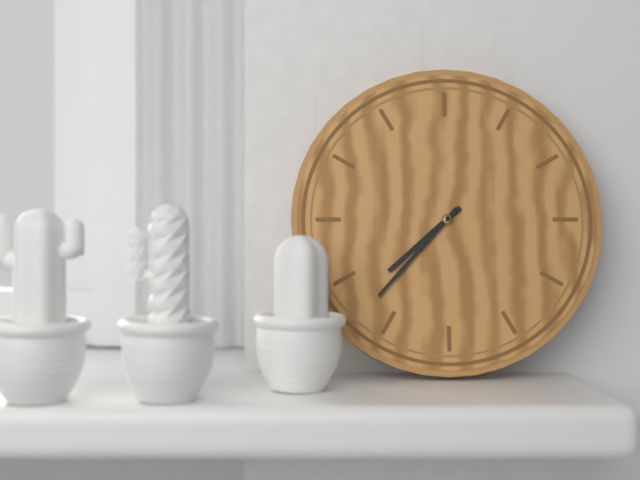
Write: 7,37
